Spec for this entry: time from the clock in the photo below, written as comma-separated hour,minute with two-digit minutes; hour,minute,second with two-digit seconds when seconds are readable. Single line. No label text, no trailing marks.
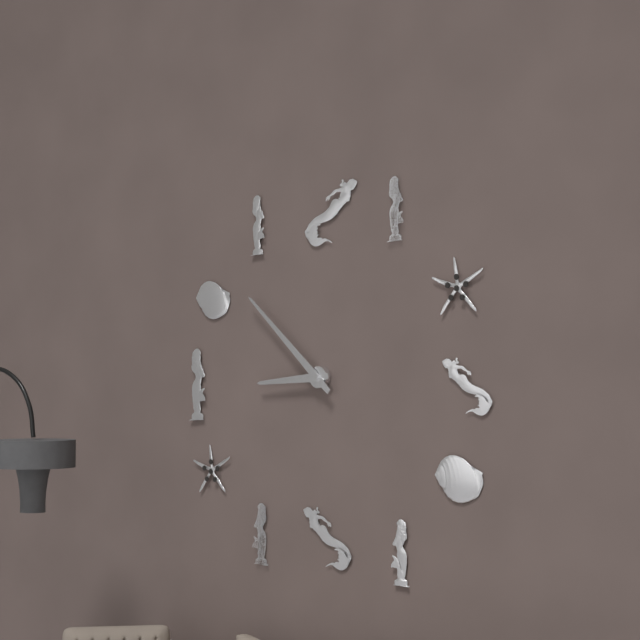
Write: 8,52
